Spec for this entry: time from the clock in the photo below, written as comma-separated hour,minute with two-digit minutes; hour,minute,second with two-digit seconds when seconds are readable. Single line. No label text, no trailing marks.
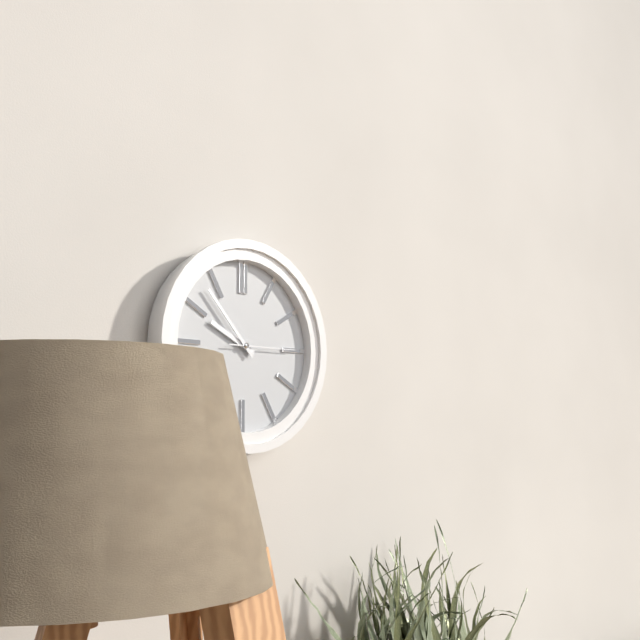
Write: 9,53,15
